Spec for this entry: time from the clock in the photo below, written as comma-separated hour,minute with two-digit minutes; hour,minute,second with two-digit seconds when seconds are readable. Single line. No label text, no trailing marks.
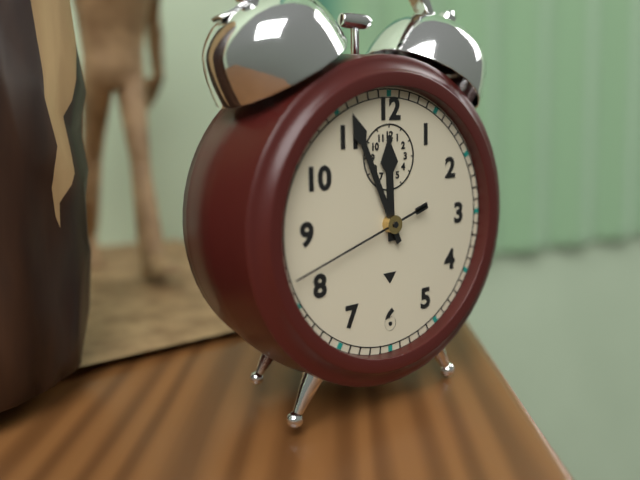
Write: 11,56,42
